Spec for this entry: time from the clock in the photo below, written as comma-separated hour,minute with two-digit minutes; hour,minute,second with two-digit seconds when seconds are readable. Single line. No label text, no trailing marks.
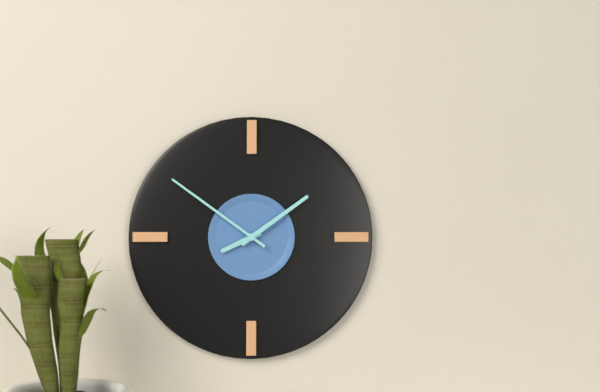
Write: 8,09,51
